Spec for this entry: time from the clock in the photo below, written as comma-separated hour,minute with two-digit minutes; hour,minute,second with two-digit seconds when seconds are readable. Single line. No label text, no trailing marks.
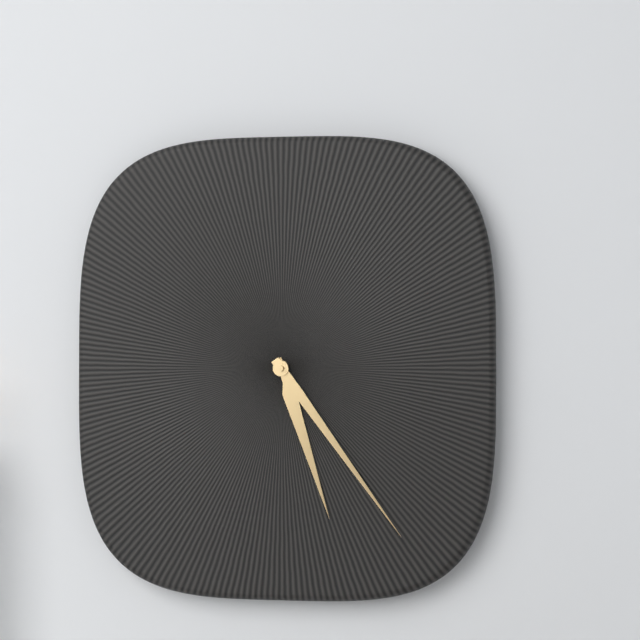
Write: 5,24
